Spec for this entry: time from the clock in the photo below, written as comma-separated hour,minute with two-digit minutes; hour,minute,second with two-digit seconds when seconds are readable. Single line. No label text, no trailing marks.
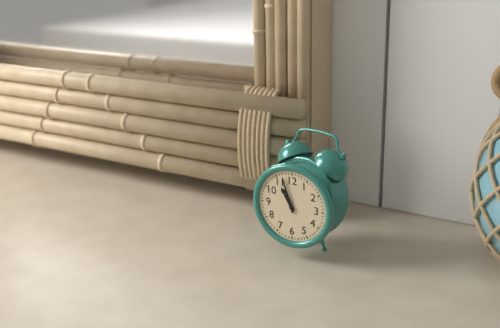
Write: 10,57
